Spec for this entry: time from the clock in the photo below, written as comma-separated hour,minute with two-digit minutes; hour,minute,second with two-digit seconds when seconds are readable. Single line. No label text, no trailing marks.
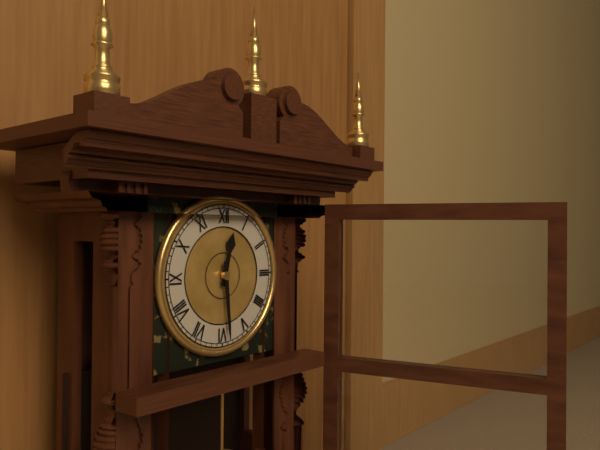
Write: 12,29
